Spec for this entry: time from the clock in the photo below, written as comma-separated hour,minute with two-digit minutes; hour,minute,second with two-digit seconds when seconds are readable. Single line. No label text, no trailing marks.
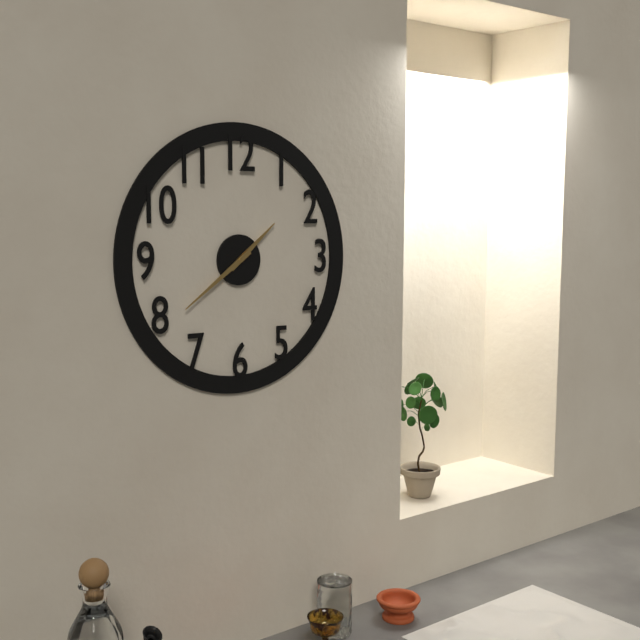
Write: 1,39
